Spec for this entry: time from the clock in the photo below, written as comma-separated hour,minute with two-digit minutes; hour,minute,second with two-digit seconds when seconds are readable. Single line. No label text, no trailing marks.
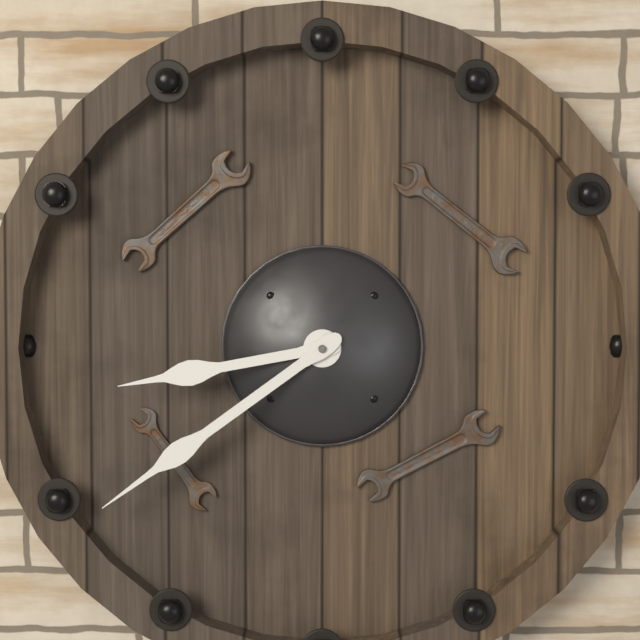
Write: 8,39
